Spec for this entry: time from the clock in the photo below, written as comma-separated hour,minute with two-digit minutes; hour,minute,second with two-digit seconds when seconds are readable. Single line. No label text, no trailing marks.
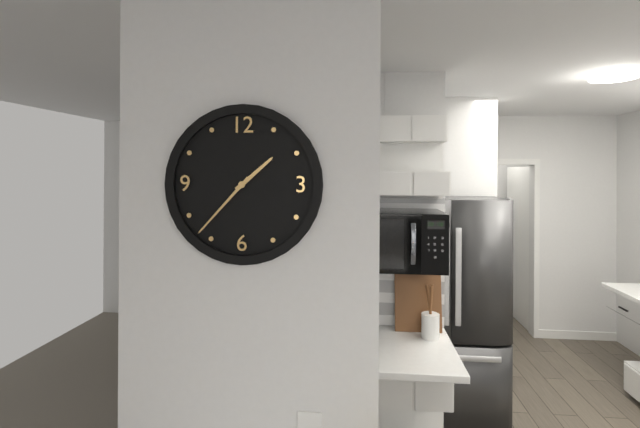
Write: 1,37
